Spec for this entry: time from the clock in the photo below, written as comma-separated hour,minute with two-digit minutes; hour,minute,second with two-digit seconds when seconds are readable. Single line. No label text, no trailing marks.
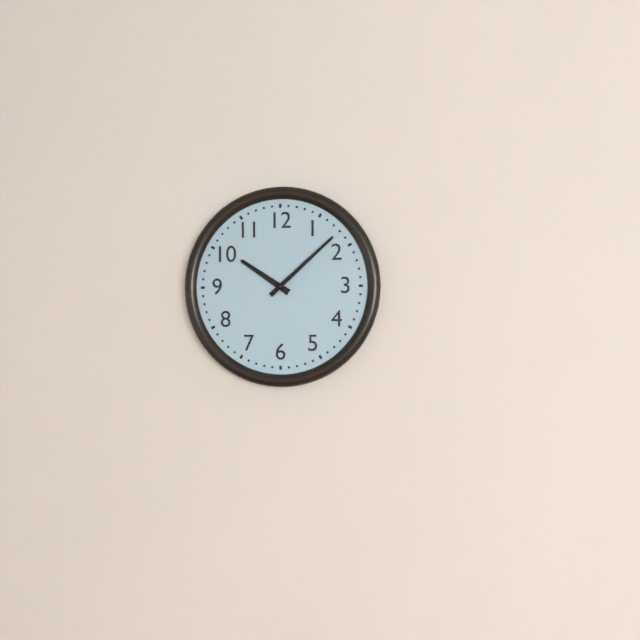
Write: 10,08
